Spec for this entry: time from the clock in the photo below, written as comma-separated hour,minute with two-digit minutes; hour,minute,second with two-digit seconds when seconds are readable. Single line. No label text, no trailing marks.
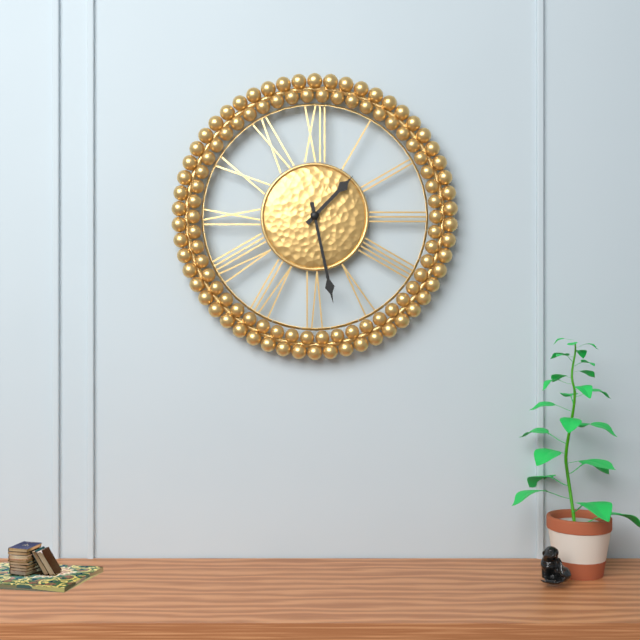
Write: 1,28
